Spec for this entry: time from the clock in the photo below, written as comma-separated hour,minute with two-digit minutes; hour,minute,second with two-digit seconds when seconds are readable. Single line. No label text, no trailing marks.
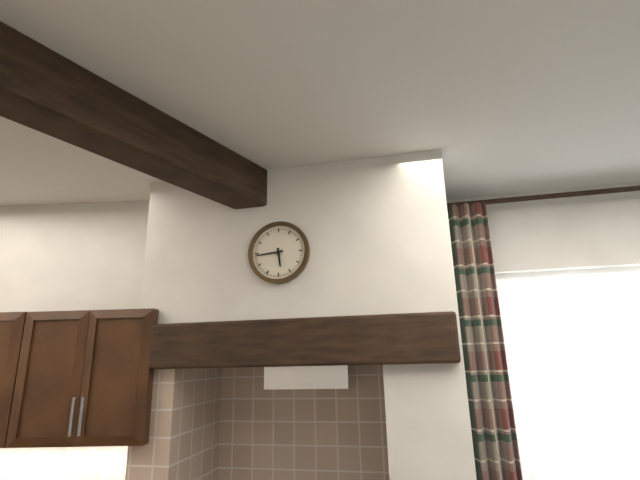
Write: 5,44
